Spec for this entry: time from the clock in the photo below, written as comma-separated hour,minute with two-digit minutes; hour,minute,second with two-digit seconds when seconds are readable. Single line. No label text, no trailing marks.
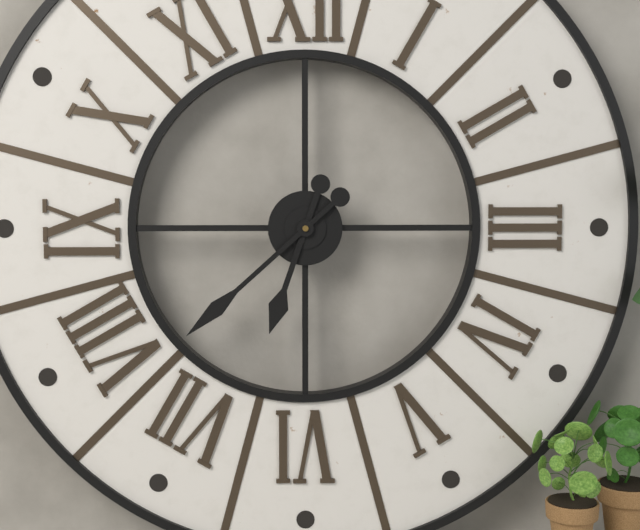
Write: 6,38
